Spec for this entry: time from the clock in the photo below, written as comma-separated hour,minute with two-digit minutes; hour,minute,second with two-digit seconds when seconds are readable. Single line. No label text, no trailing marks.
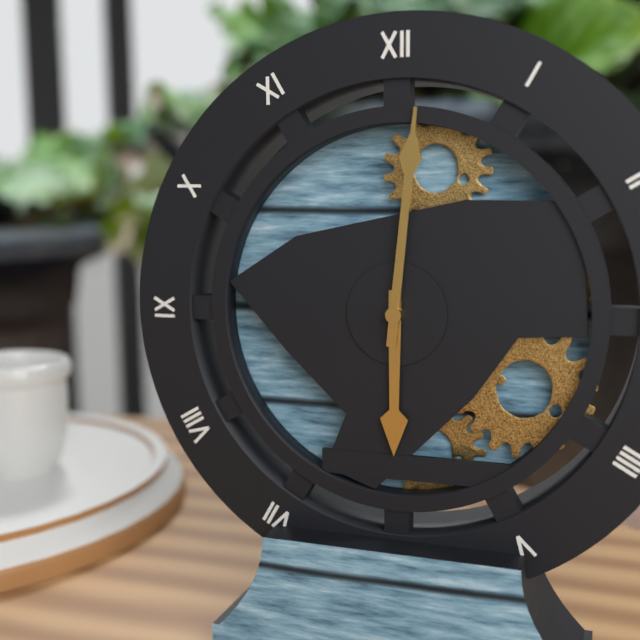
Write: 6,01
